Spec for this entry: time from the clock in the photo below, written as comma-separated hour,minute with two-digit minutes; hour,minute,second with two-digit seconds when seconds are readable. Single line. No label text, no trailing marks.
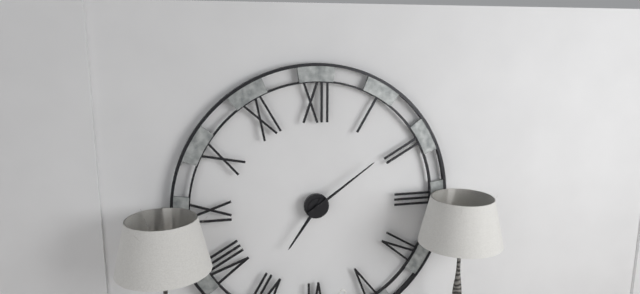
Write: 7,09
